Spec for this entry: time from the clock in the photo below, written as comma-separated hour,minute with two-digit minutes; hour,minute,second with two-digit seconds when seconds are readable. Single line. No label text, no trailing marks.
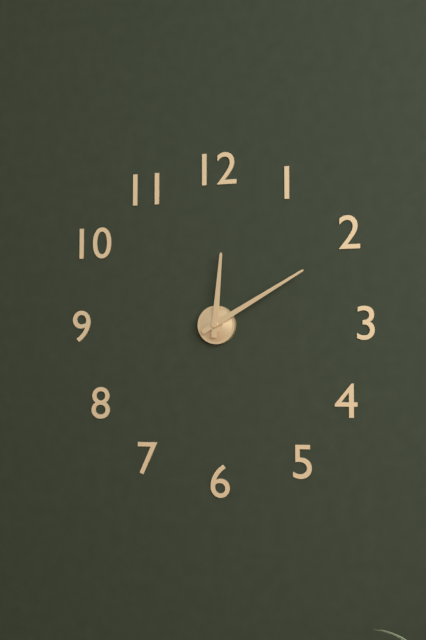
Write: 12,10
